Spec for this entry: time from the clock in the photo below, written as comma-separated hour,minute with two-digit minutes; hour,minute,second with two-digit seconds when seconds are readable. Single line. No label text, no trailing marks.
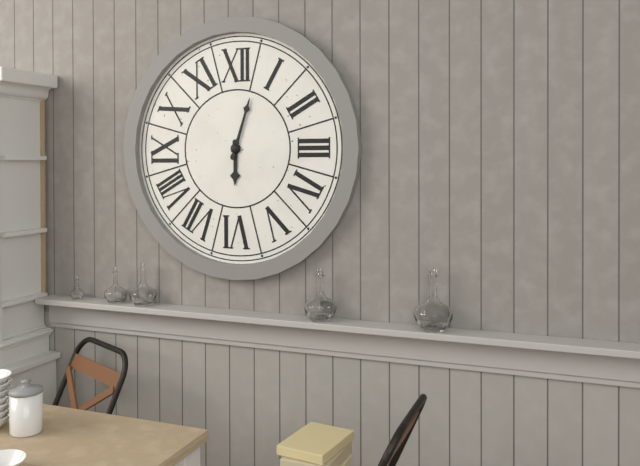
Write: 6,03
